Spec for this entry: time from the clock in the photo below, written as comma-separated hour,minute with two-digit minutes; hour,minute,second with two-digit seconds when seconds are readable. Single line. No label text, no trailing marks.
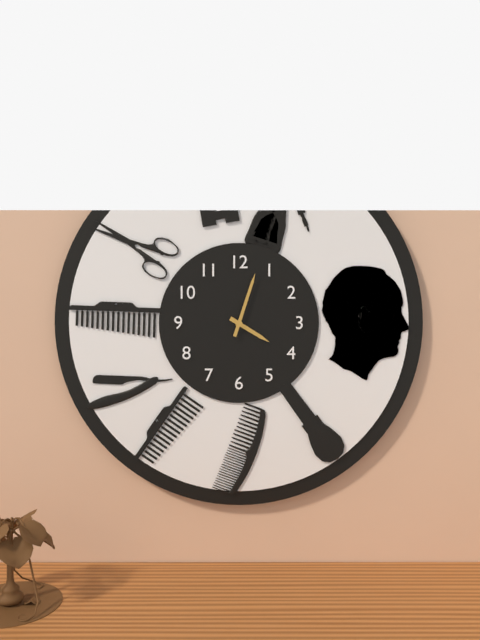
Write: 4,03
